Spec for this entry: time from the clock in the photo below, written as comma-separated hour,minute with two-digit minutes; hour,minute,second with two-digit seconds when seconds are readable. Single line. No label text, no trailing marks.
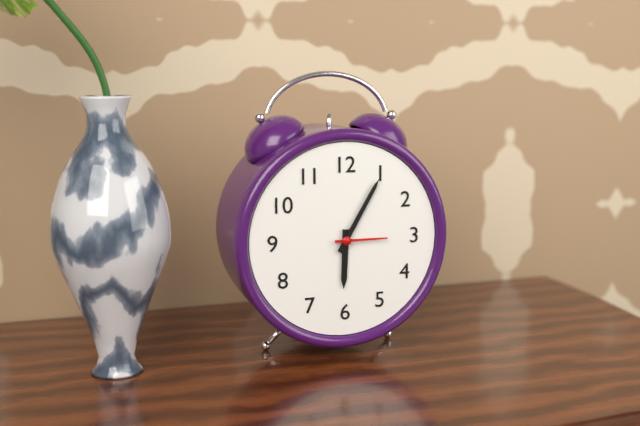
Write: 6,05,15
